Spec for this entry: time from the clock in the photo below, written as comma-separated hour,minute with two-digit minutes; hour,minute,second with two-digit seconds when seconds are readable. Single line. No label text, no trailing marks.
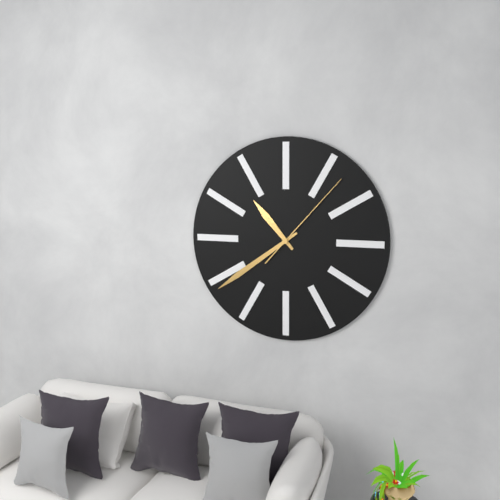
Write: 10,39,07
